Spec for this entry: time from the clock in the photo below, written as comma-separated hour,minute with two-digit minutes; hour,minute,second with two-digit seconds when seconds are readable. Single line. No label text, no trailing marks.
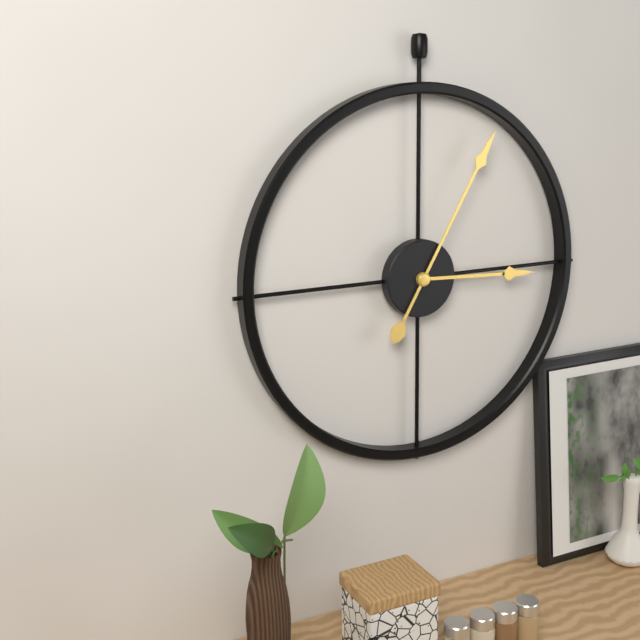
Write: 3,05
